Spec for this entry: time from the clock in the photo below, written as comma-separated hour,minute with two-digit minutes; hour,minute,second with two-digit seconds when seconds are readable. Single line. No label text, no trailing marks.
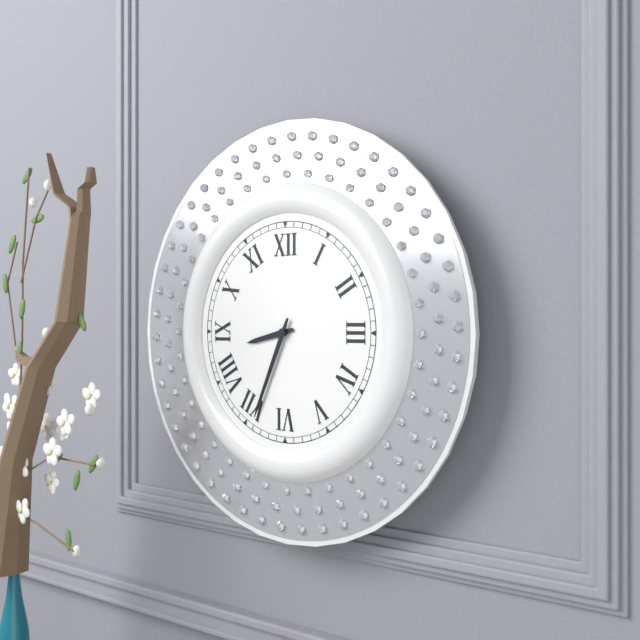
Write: 8,34
